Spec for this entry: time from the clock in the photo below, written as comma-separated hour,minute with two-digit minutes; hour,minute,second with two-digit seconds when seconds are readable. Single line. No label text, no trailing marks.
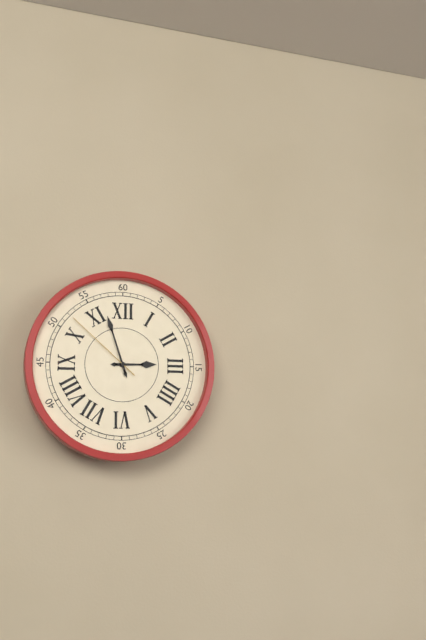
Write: 2,57,52
